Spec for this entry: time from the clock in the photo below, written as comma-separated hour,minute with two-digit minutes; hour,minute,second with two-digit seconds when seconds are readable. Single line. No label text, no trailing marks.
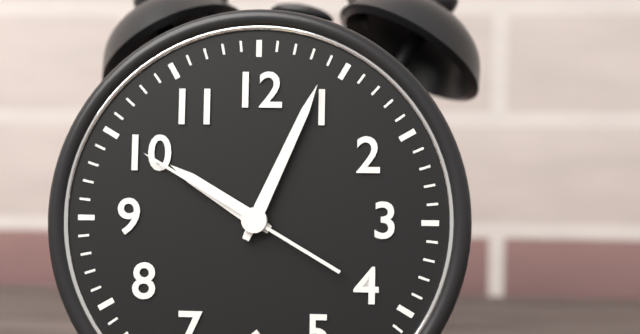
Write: 10,04,50
